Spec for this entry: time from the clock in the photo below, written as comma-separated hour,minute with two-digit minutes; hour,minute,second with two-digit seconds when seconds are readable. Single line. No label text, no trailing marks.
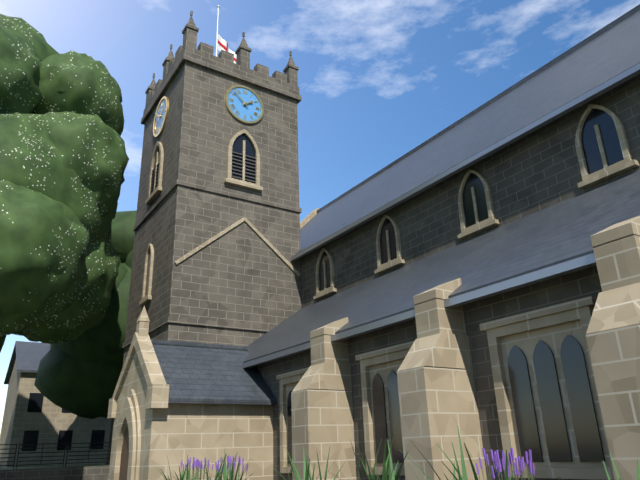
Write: 1,52
